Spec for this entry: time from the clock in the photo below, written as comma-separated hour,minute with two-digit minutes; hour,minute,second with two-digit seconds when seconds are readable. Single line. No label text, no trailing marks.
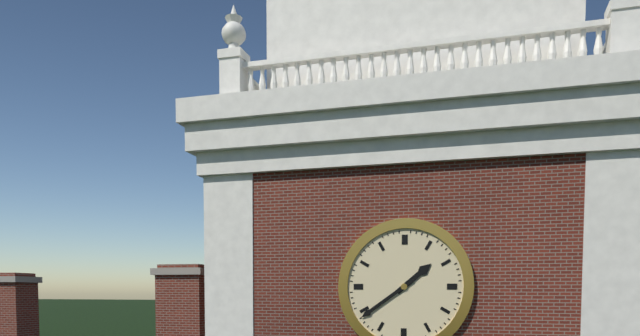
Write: 1,39
